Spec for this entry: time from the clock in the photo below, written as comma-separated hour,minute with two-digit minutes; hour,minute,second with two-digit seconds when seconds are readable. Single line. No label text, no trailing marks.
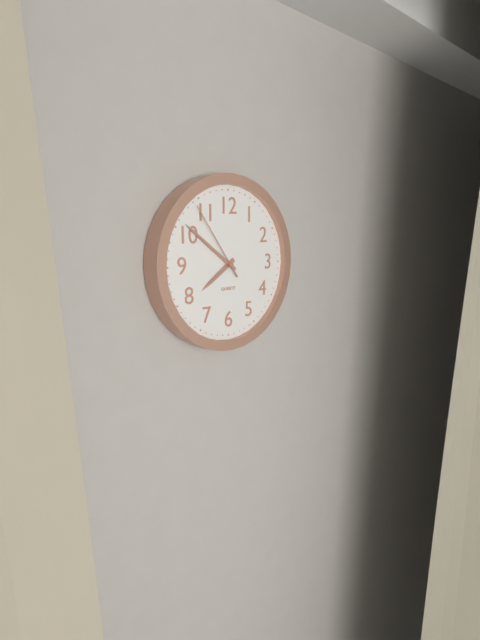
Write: 7,51,54
